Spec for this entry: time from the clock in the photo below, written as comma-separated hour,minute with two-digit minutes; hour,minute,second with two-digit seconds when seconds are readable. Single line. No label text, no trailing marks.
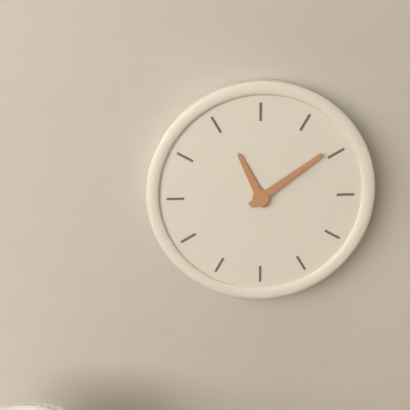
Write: 11,09
